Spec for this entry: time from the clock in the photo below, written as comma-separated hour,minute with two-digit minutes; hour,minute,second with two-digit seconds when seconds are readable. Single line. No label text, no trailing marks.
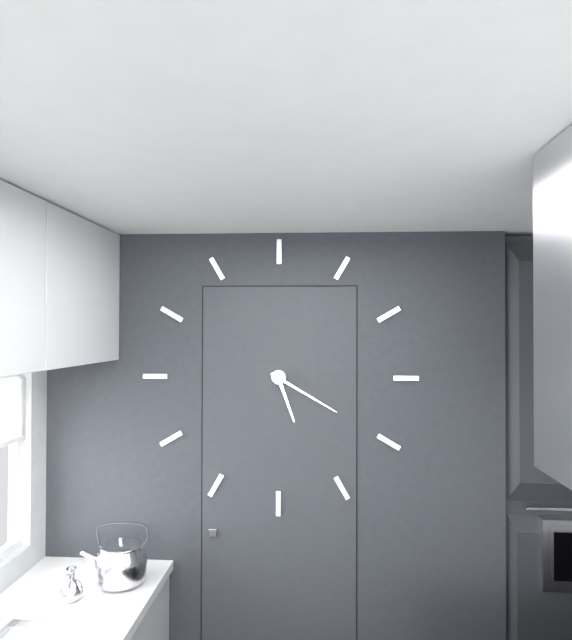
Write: 5,20
